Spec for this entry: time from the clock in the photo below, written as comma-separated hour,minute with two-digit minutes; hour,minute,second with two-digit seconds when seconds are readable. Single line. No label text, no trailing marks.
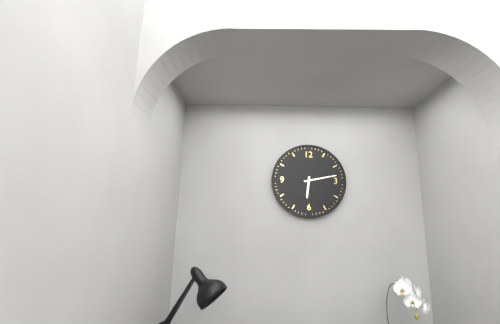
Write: 6,13
